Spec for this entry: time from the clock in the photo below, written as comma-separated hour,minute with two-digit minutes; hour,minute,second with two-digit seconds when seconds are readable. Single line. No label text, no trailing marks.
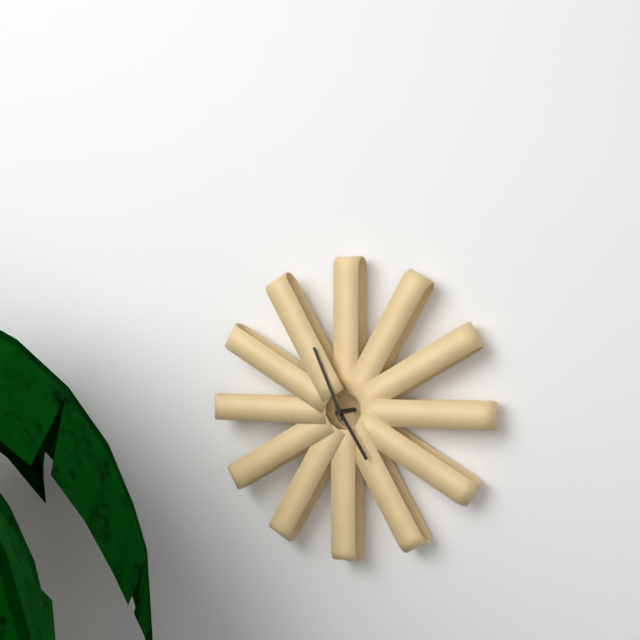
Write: 4,56
